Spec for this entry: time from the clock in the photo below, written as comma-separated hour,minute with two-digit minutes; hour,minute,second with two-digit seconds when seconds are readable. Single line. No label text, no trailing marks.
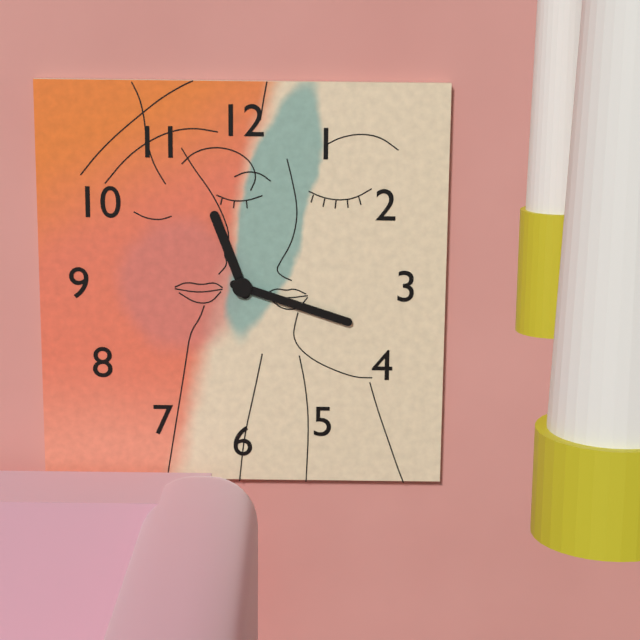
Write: 11,18
